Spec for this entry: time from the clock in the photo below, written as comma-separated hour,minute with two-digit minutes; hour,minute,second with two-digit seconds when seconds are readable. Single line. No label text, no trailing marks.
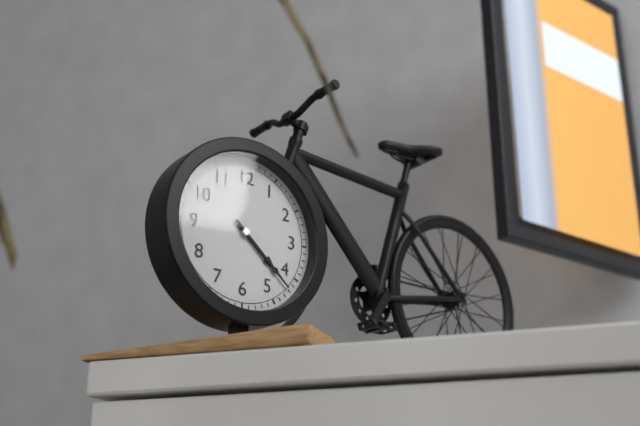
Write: 4,22
